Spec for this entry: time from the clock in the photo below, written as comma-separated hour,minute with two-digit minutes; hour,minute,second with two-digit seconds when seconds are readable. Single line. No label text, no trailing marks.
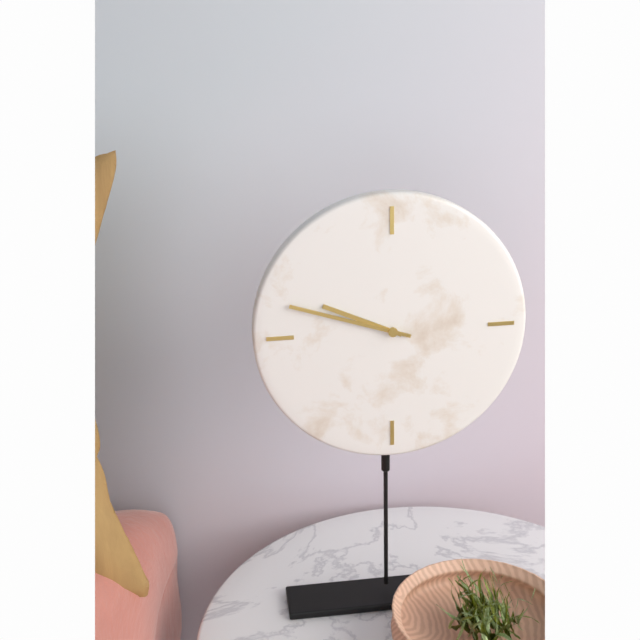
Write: 9,48
